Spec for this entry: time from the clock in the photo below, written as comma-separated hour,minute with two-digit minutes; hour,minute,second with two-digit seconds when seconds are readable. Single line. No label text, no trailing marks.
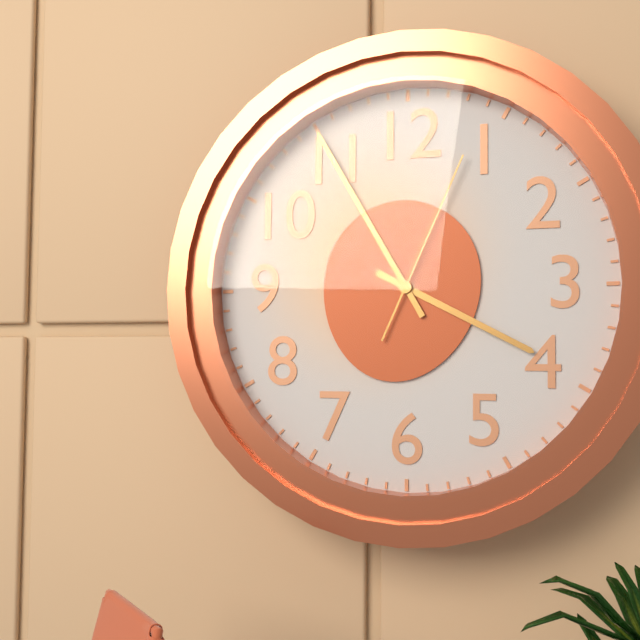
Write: 3,55,04
